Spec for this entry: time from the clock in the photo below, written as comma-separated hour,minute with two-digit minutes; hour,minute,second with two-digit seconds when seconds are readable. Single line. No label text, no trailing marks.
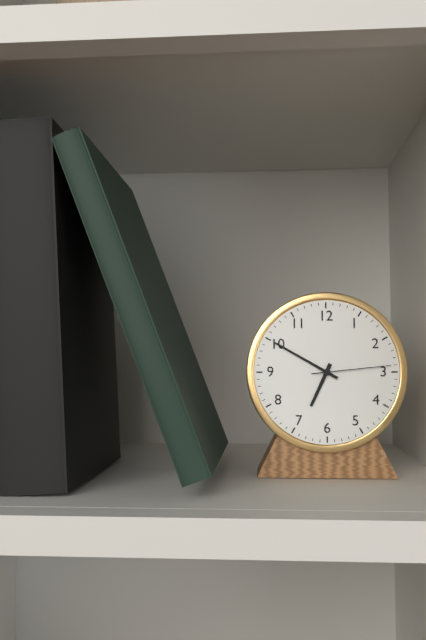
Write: 6,50,14
